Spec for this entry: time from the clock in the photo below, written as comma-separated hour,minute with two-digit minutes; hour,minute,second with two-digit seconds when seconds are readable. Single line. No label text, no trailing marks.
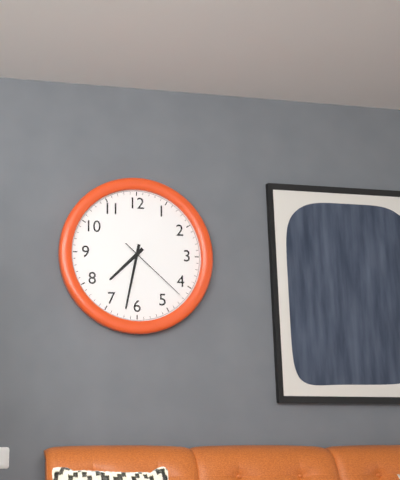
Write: 7,32,22
